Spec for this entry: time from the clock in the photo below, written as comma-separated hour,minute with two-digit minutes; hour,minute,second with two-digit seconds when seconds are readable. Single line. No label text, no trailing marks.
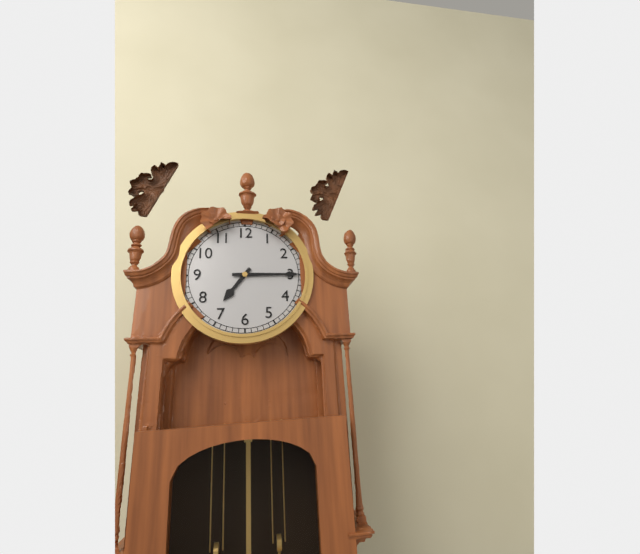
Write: 7,15
